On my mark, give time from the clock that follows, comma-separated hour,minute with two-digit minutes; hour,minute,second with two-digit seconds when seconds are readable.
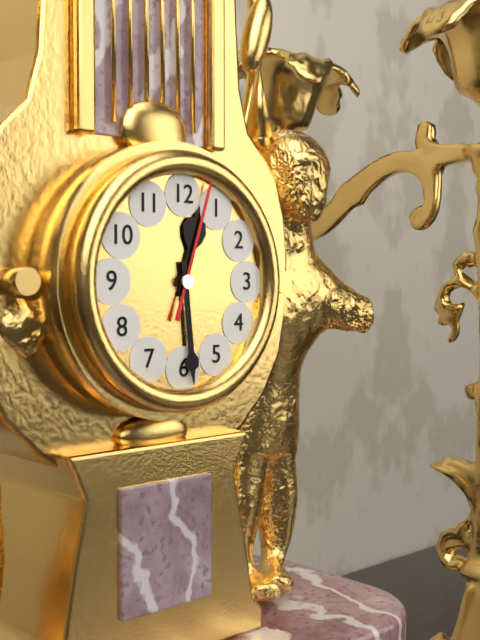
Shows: 12,29,03
